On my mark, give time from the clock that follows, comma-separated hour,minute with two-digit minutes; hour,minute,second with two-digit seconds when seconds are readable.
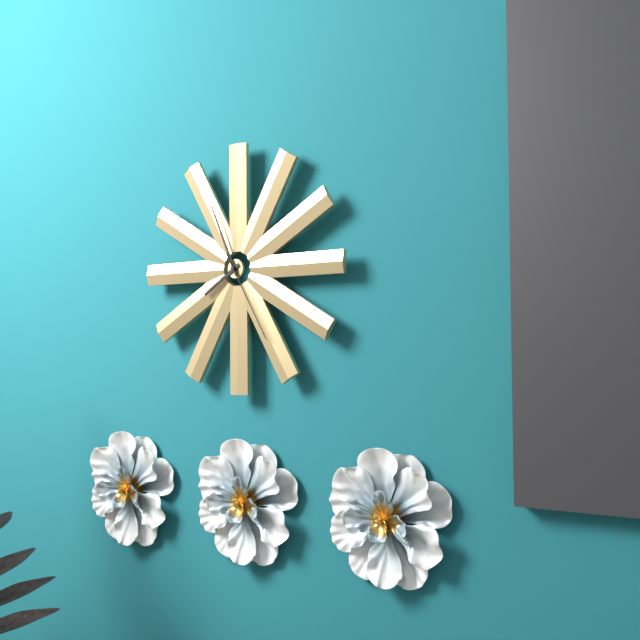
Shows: 7,56,25
